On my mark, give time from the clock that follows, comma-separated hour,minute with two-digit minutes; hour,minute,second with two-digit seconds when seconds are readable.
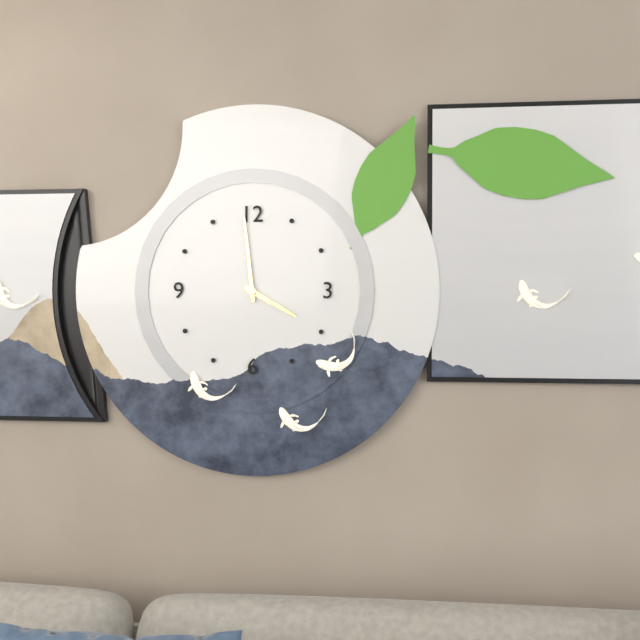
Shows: 3,59
